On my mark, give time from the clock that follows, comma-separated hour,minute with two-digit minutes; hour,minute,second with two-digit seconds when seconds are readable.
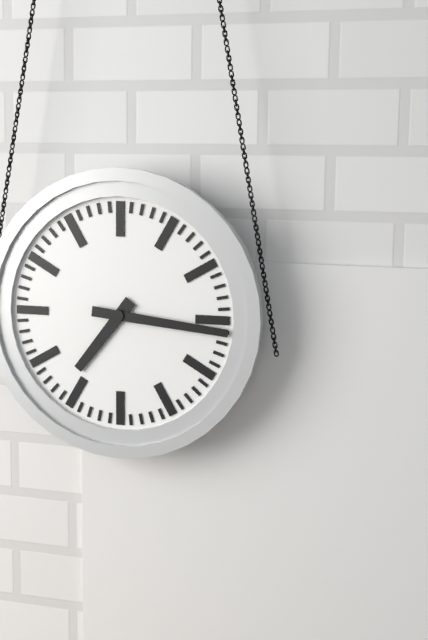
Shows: 7,16
